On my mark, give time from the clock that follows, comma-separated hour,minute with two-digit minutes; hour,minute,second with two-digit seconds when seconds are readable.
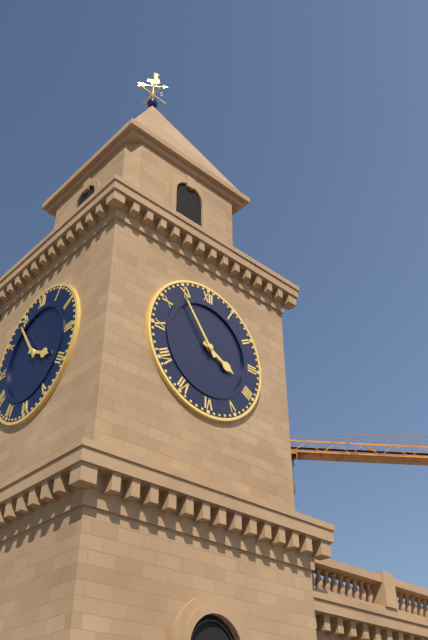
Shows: 3,54
